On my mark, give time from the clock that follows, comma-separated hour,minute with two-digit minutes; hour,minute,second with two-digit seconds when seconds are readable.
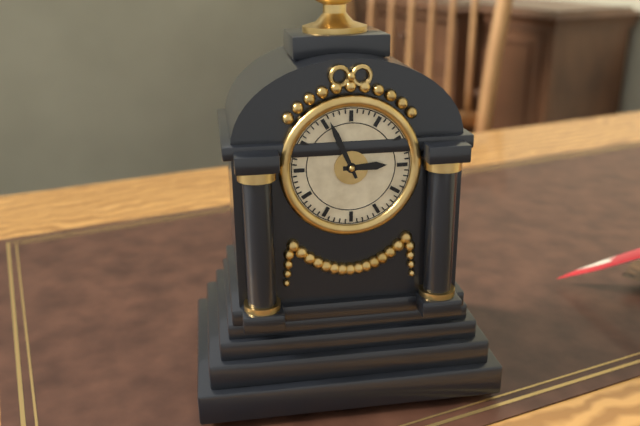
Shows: 2,56
